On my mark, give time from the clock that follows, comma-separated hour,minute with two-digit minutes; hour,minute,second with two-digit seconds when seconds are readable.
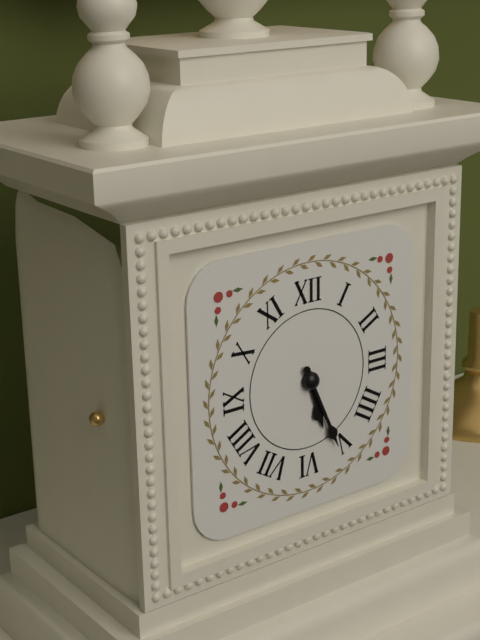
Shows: 5,26
